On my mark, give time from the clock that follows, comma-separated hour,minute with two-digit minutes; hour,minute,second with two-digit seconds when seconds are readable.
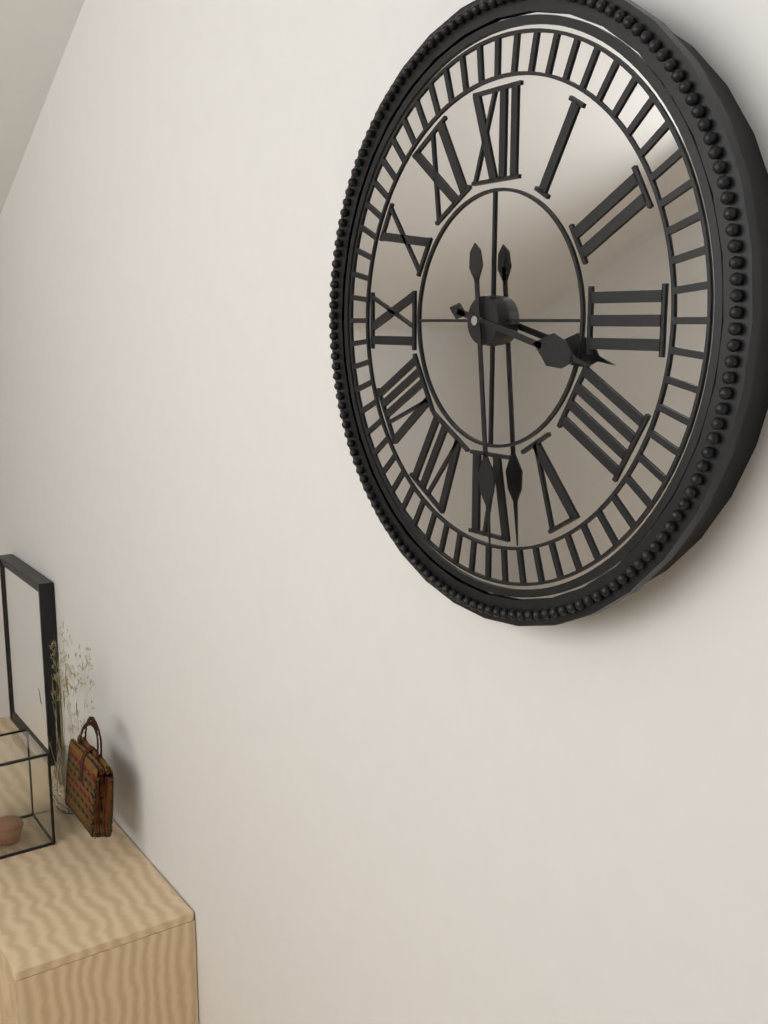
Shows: 3,29
